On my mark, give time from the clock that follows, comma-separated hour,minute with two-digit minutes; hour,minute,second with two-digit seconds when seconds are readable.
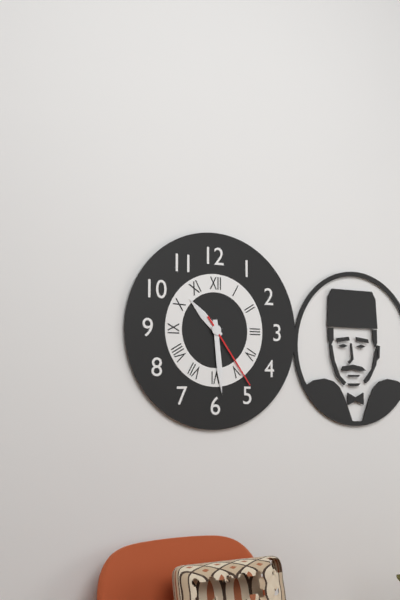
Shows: 10,29,24
